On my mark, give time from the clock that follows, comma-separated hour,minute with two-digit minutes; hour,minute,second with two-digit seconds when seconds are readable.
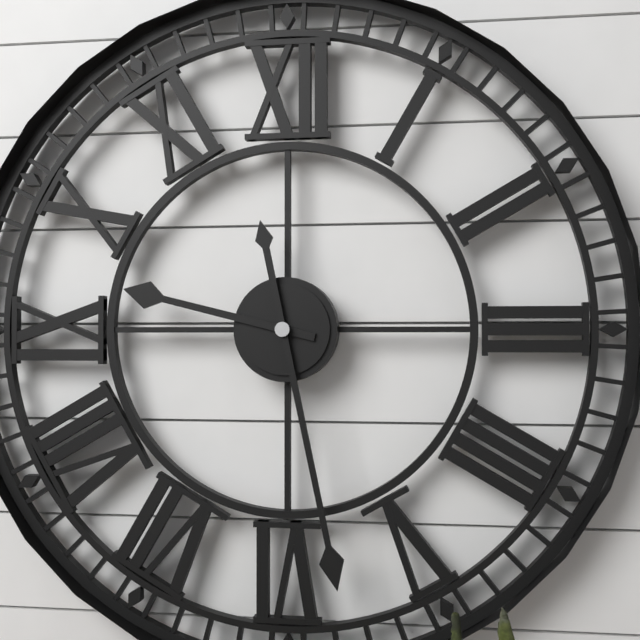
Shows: 9,28
